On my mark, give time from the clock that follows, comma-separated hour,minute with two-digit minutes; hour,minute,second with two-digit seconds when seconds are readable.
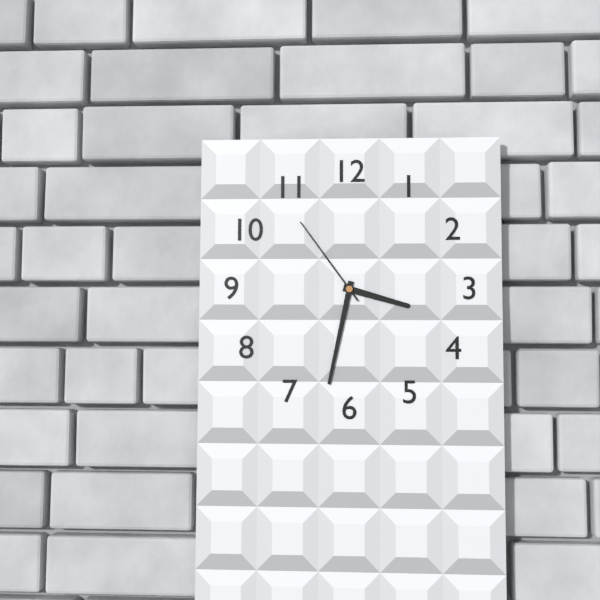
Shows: 3,32,54
